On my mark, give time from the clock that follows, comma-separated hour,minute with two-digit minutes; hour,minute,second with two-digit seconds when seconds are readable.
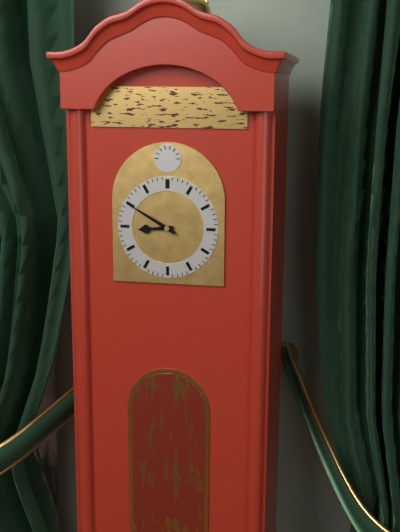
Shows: 8,50
